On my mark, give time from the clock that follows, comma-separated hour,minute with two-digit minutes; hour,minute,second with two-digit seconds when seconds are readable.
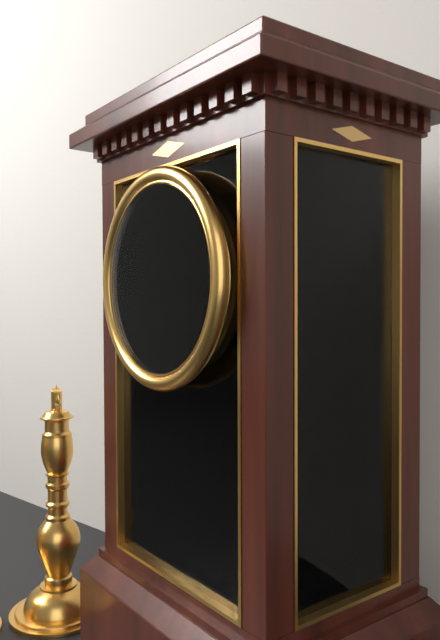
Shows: 10,40
